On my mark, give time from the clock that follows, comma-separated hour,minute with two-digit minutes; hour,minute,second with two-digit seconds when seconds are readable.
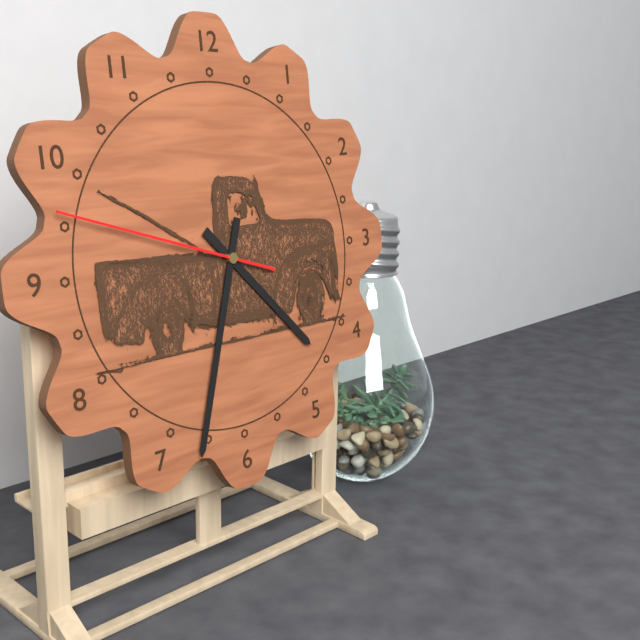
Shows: 4,33,48
